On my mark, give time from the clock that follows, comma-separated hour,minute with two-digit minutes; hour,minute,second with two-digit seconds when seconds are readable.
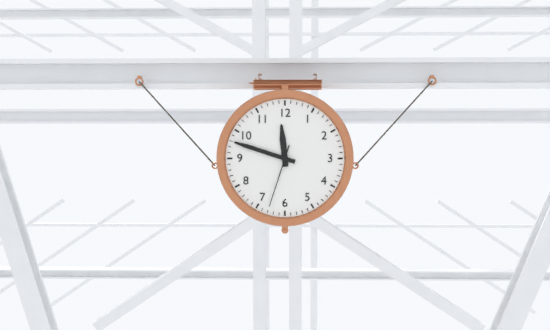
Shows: 11,48,33
